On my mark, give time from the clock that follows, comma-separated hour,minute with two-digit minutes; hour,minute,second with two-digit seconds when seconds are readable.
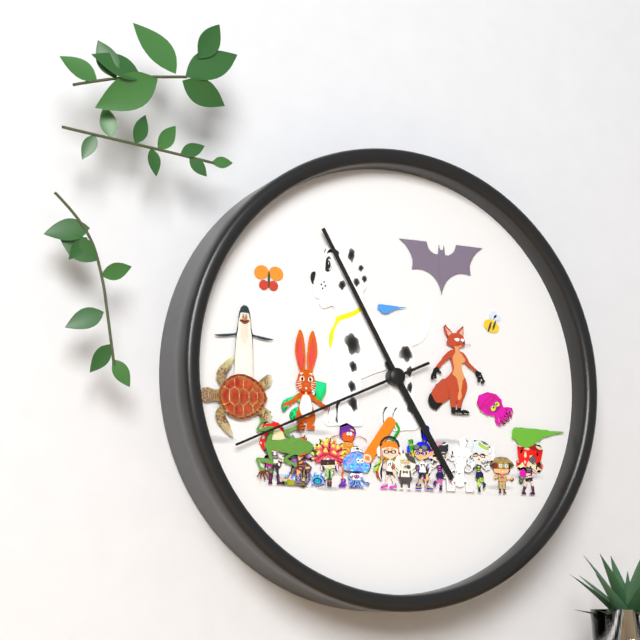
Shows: 4,55,41
